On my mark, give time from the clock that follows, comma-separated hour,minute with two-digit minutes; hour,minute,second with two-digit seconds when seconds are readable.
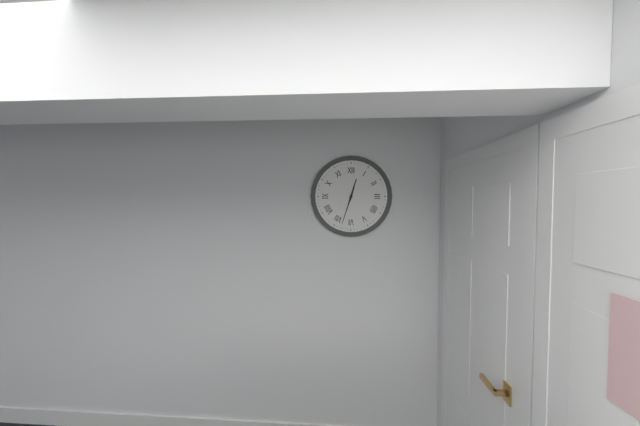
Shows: 12,33
